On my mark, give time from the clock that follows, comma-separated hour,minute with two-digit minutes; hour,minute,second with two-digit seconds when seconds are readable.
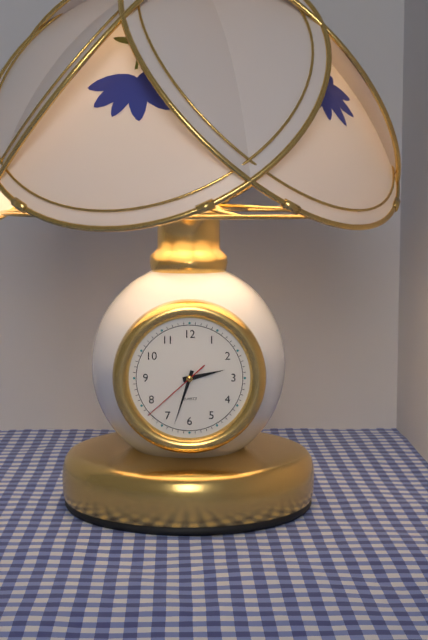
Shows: 2,33,38
